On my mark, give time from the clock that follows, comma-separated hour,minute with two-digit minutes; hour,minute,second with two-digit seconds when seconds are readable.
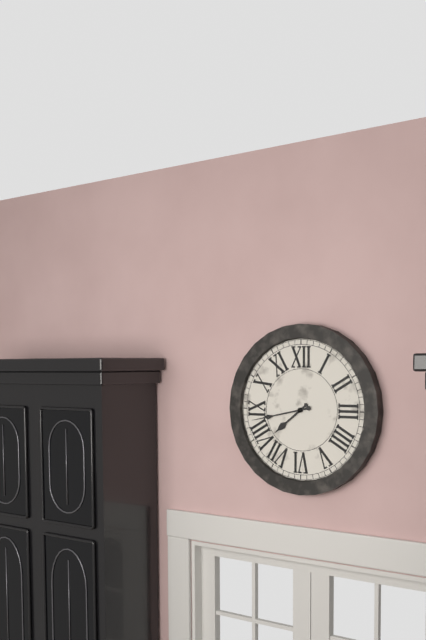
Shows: 7,43
